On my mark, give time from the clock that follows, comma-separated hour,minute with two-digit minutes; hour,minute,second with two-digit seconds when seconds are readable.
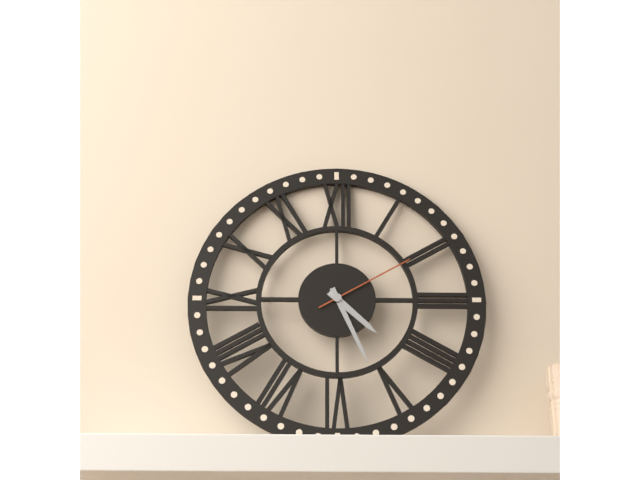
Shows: 4,26,10
